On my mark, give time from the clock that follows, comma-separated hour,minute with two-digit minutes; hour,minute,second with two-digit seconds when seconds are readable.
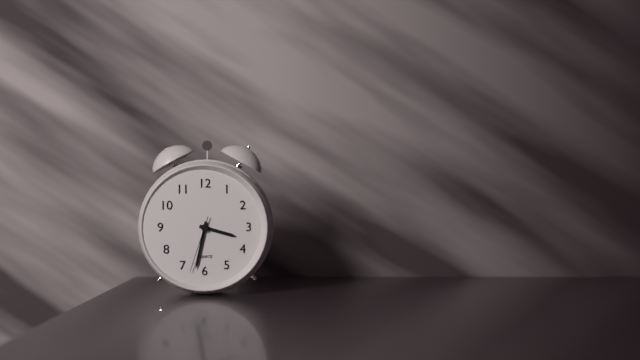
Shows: 3,32,33
